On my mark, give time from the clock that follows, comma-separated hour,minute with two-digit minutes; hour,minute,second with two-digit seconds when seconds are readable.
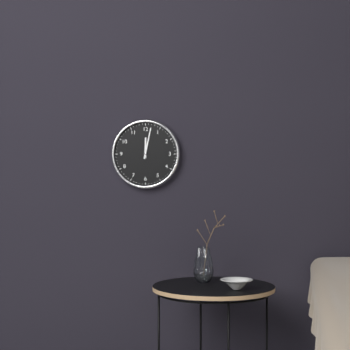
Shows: 12,02
